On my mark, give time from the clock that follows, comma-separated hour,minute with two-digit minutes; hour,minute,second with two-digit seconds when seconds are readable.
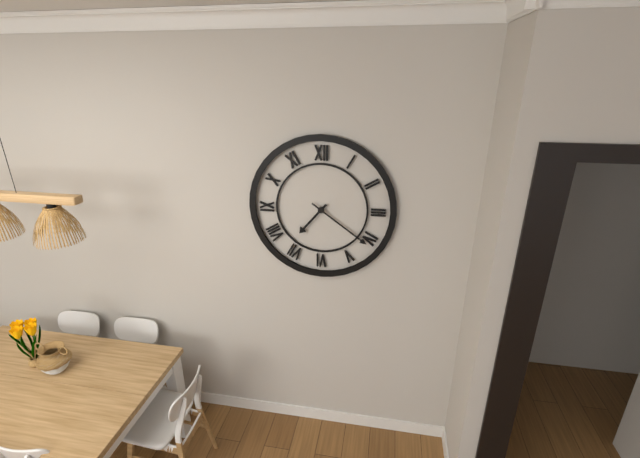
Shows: 7,21
